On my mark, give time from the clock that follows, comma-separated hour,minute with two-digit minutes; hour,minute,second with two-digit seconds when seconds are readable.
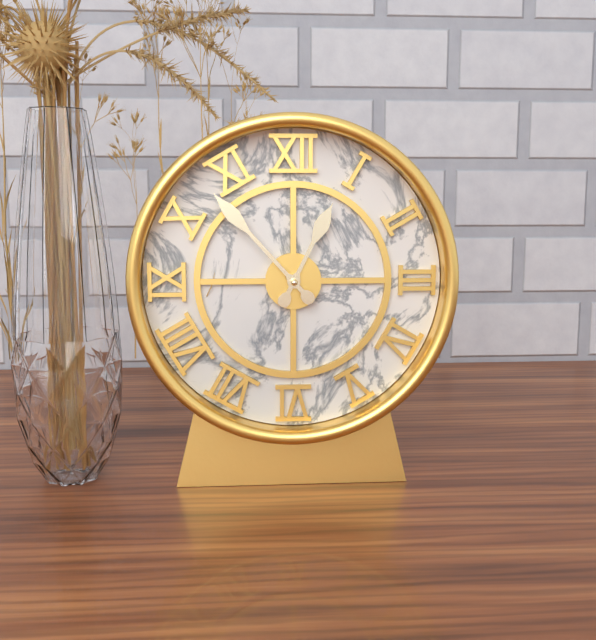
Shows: 12,53
